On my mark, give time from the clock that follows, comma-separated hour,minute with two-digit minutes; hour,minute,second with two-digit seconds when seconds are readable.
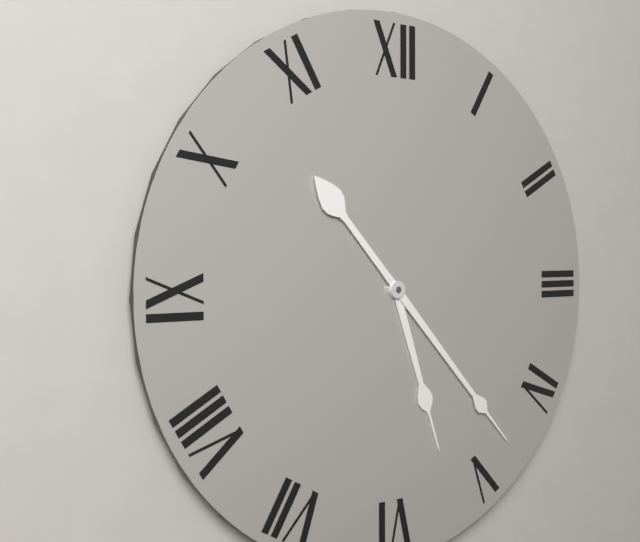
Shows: 5,23
